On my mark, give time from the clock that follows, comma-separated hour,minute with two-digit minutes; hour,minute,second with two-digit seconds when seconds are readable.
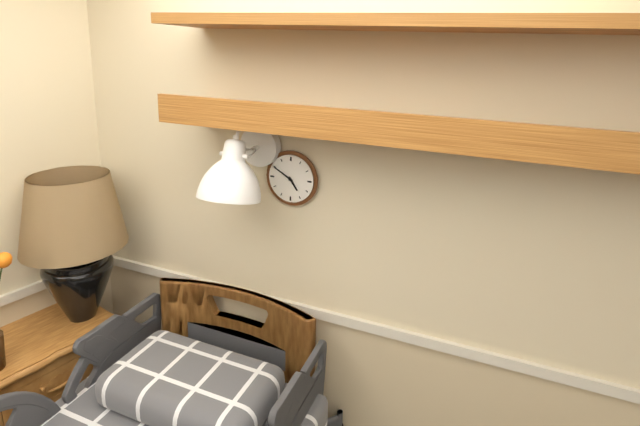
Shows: 4,50
